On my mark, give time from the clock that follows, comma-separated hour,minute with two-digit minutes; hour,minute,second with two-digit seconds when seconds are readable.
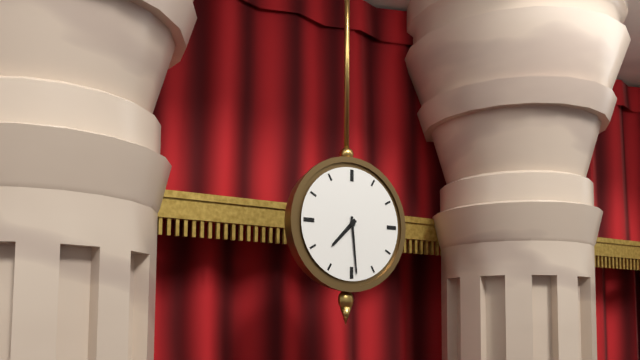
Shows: 7,29
